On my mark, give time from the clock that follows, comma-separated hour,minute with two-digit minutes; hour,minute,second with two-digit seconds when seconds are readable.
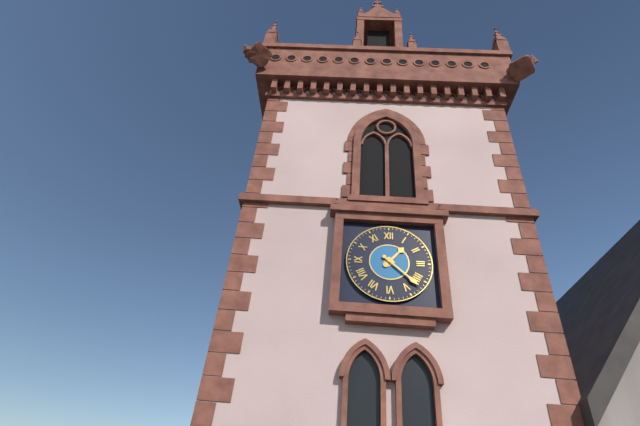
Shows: 1,22
